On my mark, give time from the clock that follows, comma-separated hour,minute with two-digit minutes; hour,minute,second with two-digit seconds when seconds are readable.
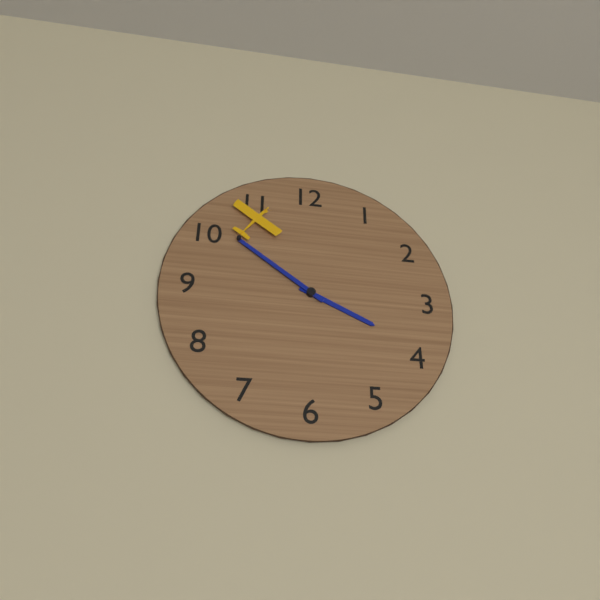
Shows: 3,51
